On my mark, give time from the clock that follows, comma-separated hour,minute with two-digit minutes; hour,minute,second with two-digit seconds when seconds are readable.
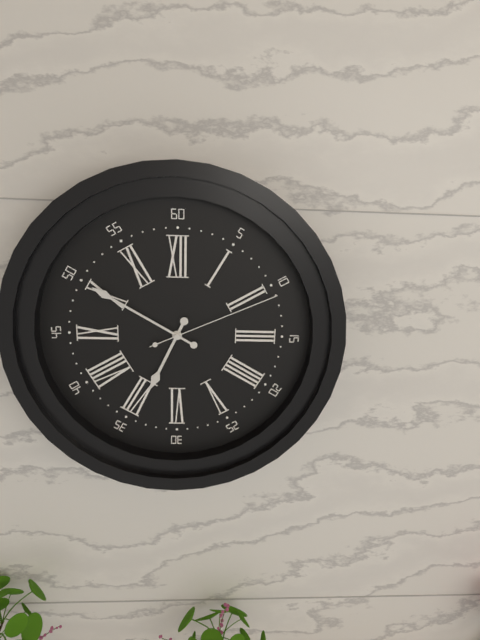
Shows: 6,50,11
